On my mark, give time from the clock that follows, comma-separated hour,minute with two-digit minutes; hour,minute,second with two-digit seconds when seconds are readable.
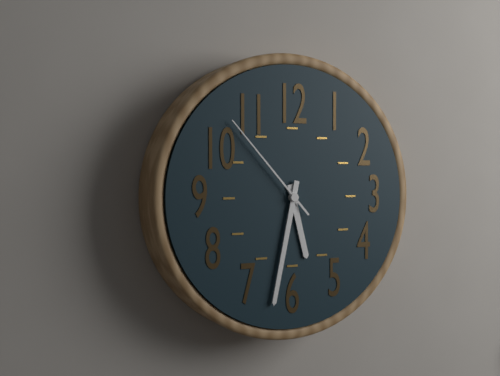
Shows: 5,32,53
